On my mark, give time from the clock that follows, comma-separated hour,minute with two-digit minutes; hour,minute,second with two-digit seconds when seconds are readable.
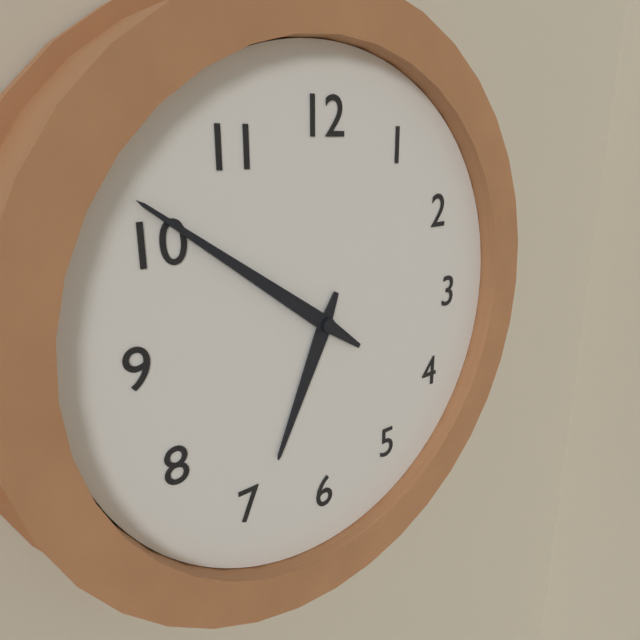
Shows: 6,51
